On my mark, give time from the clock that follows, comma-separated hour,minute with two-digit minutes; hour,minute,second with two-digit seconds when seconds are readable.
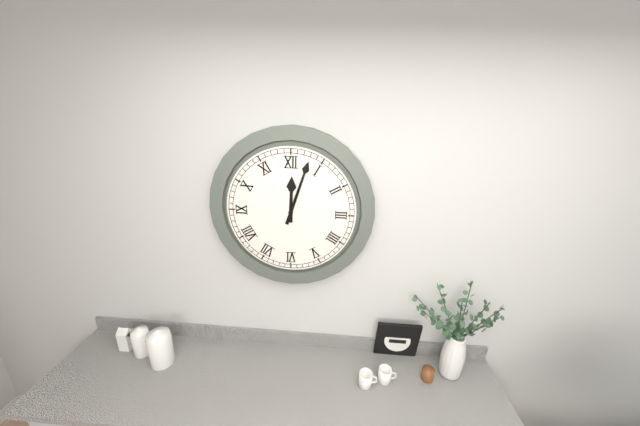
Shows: 12,03
